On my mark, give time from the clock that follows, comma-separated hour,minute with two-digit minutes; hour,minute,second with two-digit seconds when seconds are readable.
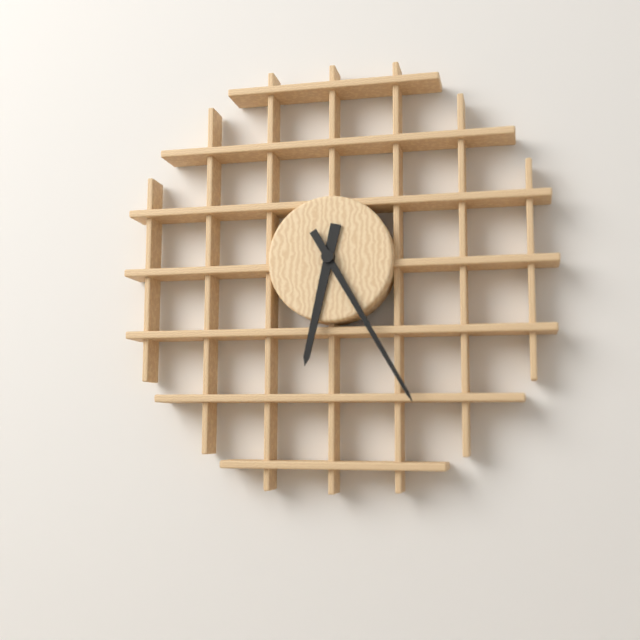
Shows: 6,25
